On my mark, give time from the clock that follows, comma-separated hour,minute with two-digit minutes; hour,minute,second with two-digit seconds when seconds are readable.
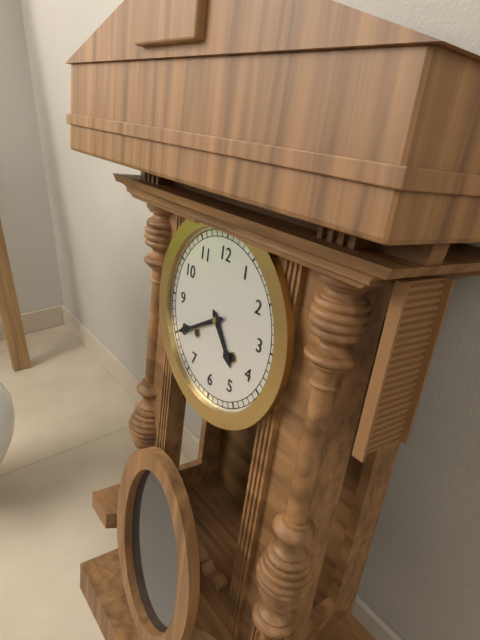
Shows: 4,40
